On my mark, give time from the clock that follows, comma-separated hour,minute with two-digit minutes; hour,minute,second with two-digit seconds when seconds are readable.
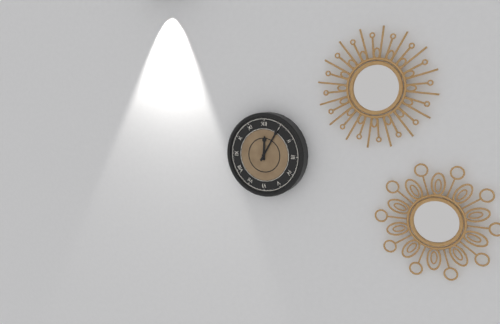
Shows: 12,05
